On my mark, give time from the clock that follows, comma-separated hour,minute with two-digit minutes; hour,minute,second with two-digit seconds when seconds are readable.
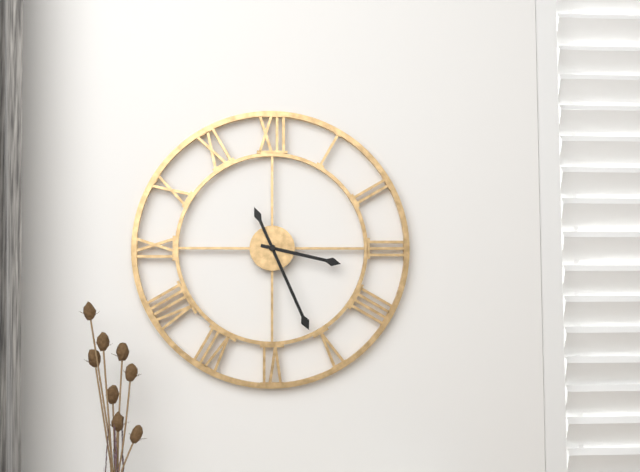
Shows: 3,26
